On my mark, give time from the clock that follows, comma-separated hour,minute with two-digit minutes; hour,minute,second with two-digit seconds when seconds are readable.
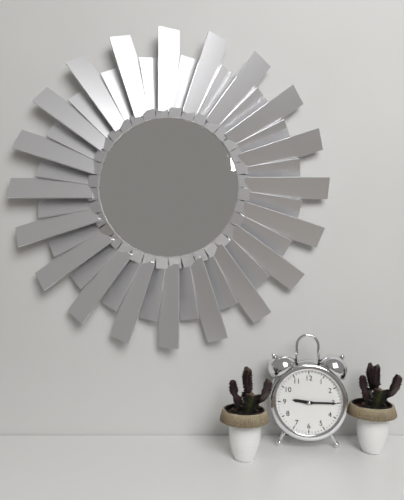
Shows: 9,15
